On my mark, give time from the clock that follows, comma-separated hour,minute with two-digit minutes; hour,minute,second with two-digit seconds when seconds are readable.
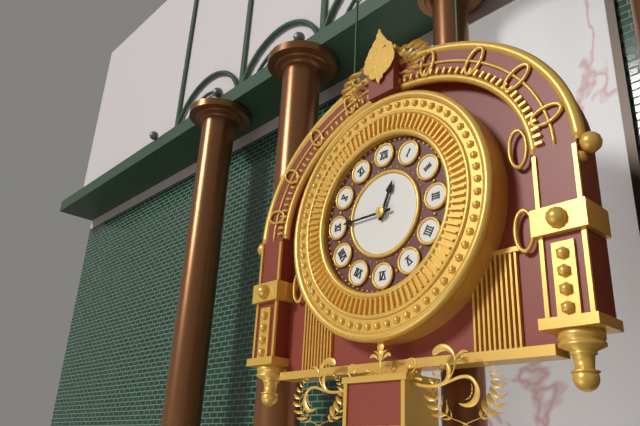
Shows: 12,45
